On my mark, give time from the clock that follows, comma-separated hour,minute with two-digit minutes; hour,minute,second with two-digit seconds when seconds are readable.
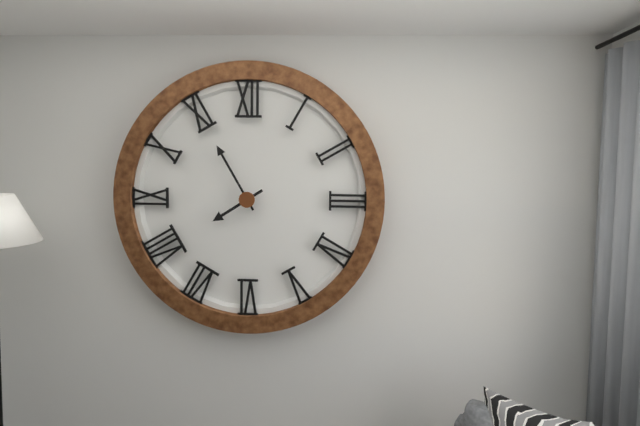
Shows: 7,55
